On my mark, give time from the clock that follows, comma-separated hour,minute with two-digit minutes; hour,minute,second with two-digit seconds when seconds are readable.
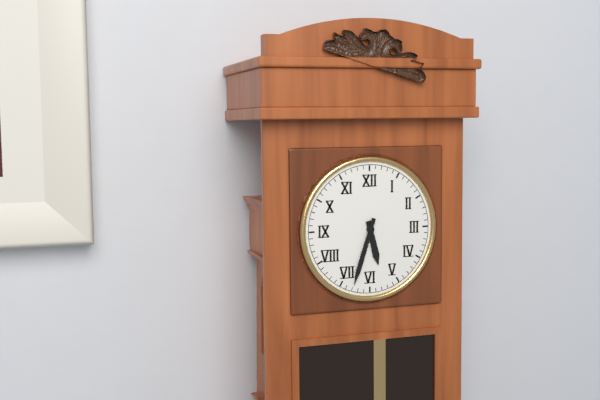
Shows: 5,33
